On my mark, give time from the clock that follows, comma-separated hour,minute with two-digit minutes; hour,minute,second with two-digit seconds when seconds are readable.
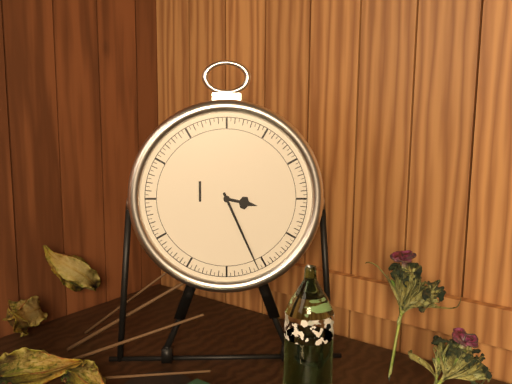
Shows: 3,26
